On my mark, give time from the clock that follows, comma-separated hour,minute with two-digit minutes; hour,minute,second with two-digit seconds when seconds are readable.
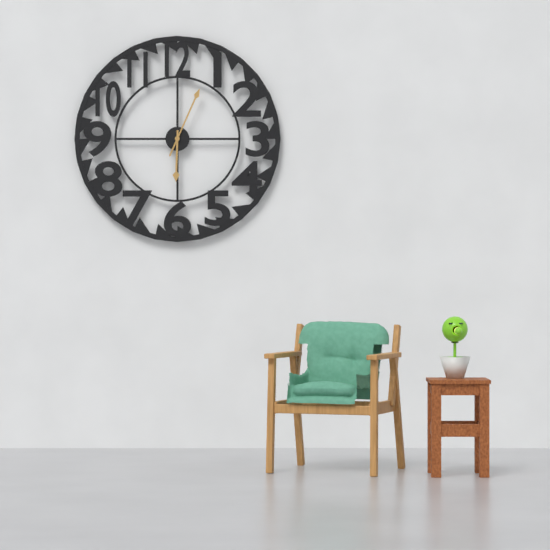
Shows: 6,04
